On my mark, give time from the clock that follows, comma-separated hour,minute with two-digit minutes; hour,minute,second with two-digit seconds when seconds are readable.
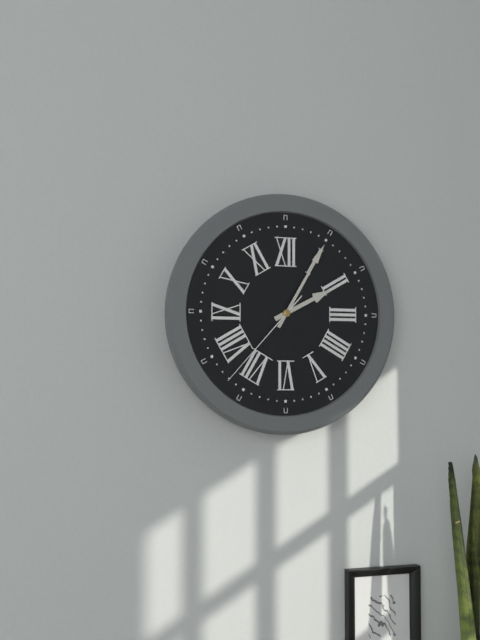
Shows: 2,05,37
